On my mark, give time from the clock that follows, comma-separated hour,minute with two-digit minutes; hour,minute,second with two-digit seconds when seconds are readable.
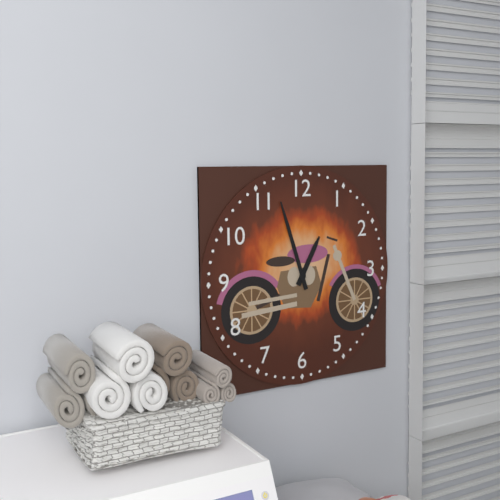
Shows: 12,57
